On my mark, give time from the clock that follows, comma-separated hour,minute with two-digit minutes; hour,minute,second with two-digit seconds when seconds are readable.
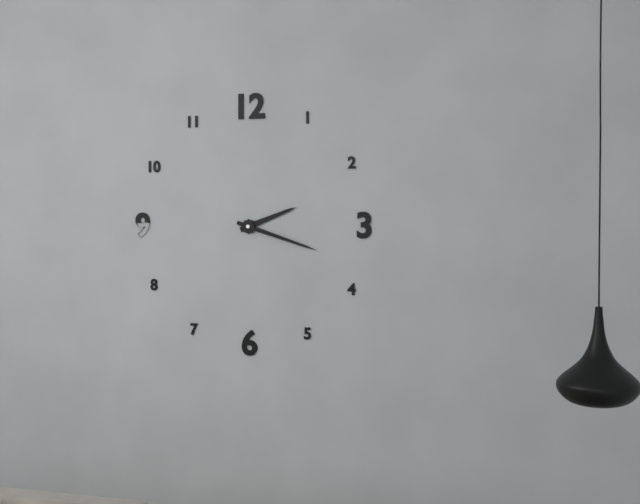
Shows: 2,18
